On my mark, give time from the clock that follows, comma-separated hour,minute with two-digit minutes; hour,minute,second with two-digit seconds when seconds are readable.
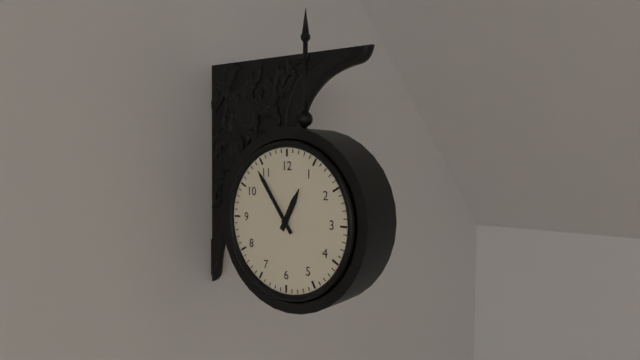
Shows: 12,54
